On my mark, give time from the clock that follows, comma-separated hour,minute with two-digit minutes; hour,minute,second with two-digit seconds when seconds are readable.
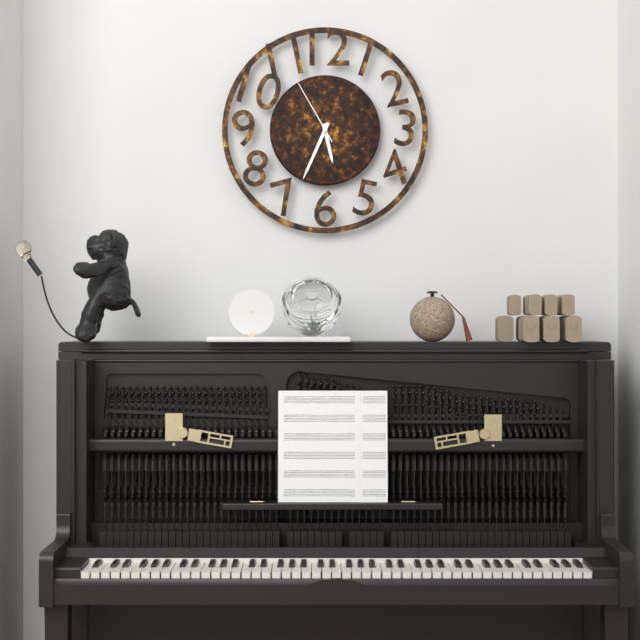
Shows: 5,34,55
